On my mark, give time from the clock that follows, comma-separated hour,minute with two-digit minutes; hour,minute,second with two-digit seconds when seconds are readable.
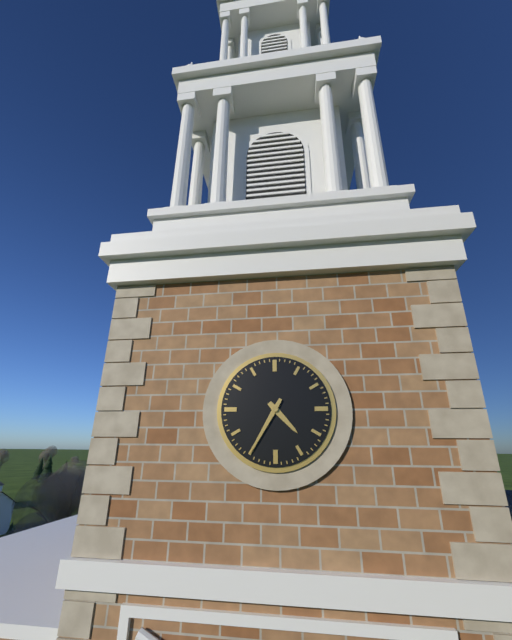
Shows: 4,35
